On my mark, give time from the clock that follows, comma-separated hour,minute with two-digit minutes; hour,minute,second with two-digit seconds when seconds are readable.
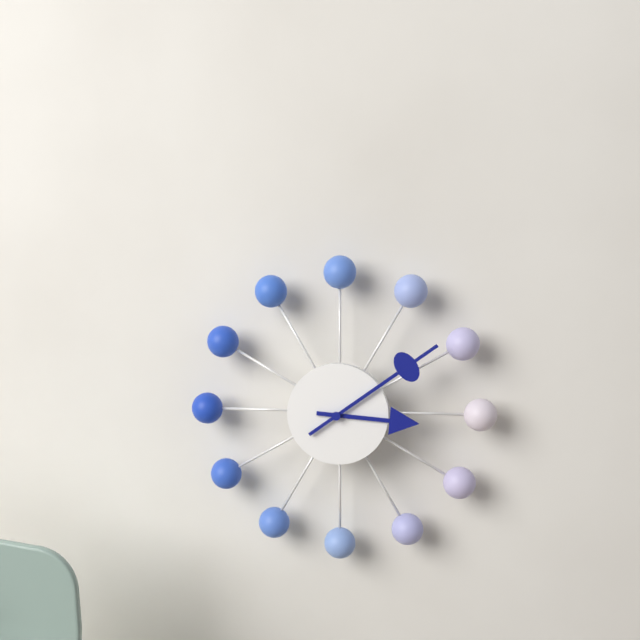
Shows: 3,09
